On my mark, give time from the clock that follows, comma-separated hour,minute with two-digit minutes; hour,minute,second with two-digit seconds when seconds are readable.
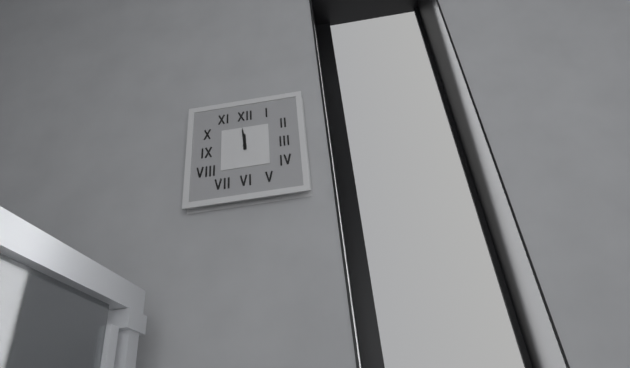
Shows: 11,59
